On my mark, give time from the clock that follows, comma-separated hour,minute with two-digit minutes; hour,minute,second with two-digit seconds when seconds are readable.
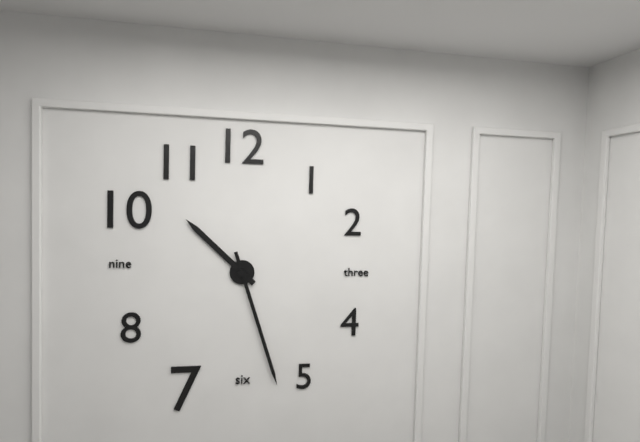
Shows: 10,27
